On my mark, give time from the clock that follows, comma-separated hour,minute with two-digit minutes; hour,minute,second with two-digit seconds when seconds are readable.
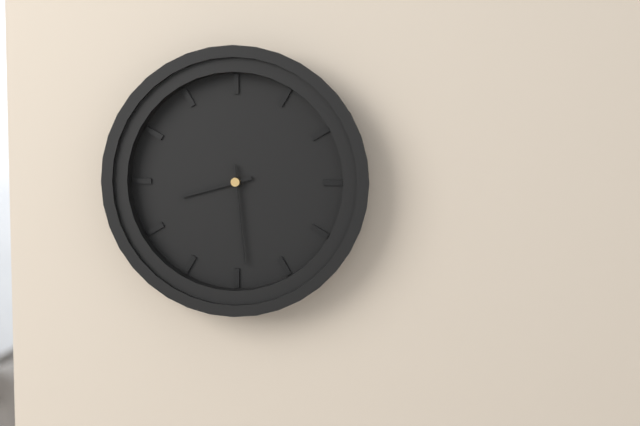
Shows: 8,29
